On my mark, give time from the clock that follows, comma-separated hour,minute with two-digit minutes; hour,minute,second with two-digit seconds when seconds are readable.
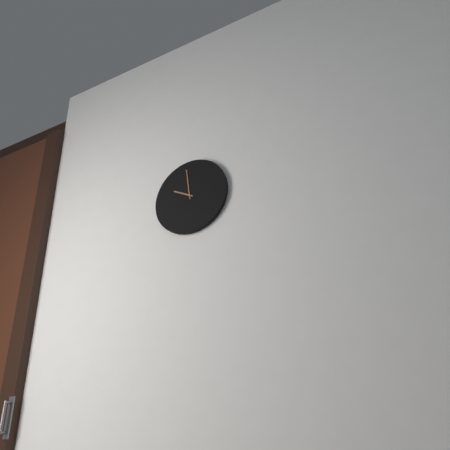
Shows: 9,59
